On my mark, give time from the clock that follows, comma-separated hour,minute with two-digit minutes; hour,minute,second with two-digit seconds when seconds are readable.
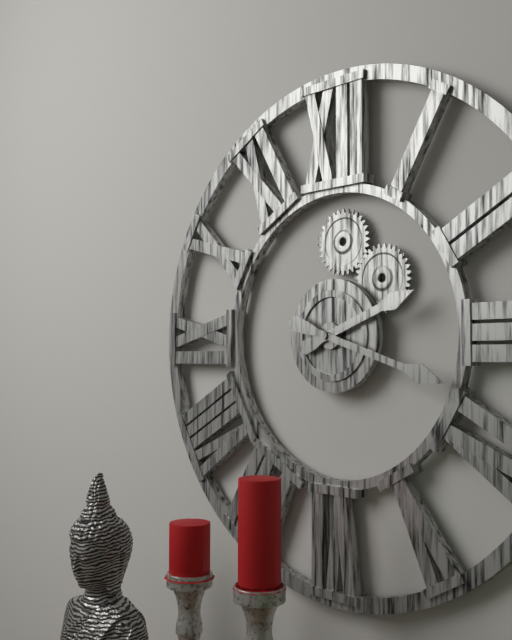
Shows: 2,18
